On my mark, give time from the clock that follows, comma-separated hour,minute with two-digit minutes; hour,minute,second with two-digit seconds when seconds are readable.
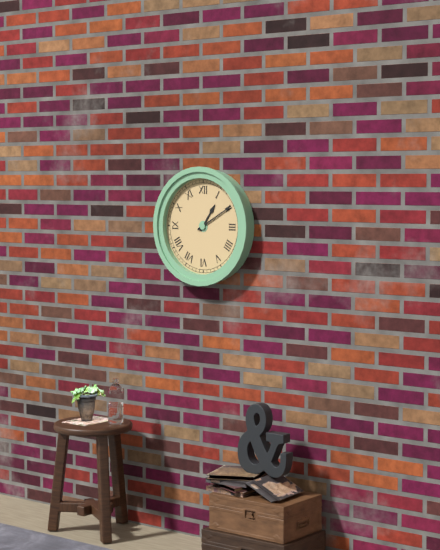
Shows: 1,10
